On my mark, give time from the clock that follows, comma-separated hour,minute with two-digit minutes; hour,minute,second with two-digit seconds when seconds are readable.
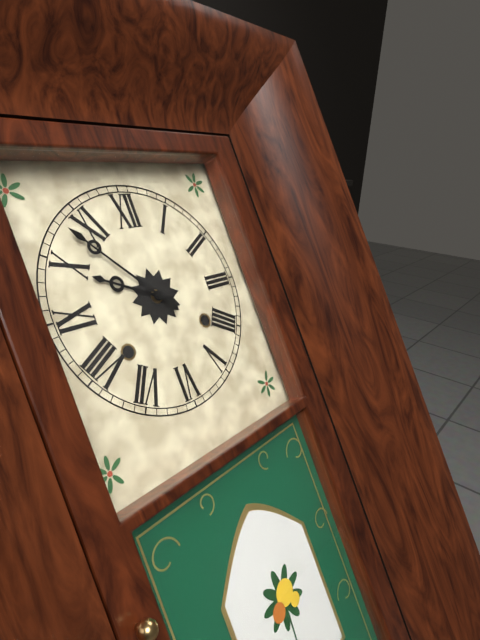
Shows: 9,53
